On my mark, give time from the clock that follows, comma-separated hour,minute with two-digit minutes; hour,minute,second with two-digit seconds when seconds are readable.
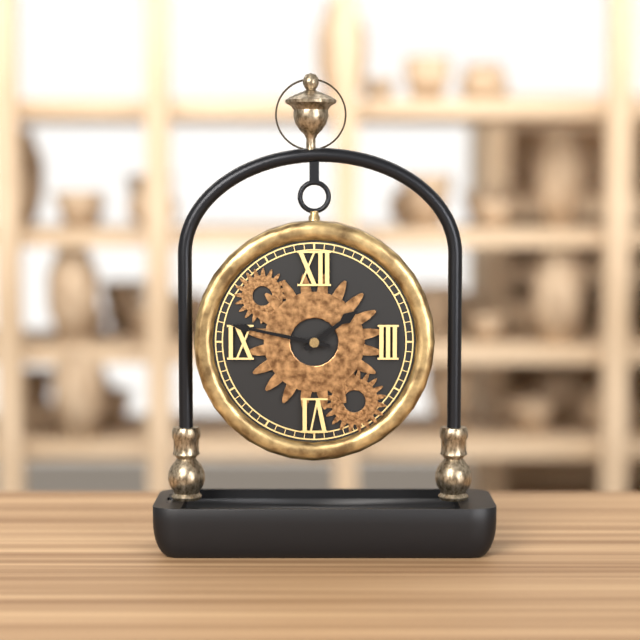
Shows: 1,47
